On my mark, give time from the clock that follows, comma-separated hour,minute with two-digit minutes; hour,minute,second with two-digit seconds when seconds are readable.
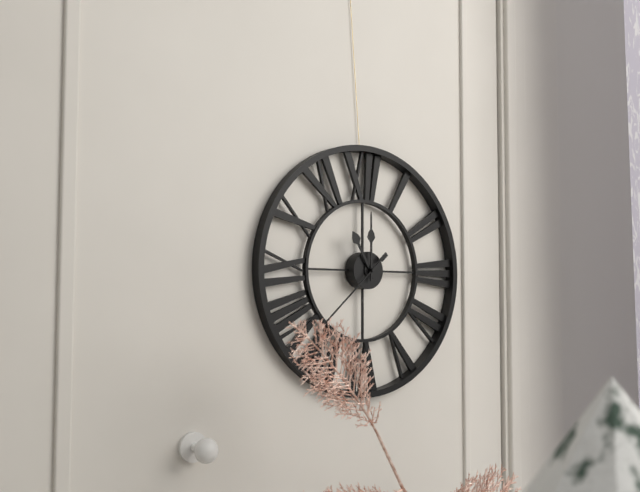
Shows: 11,00,38
